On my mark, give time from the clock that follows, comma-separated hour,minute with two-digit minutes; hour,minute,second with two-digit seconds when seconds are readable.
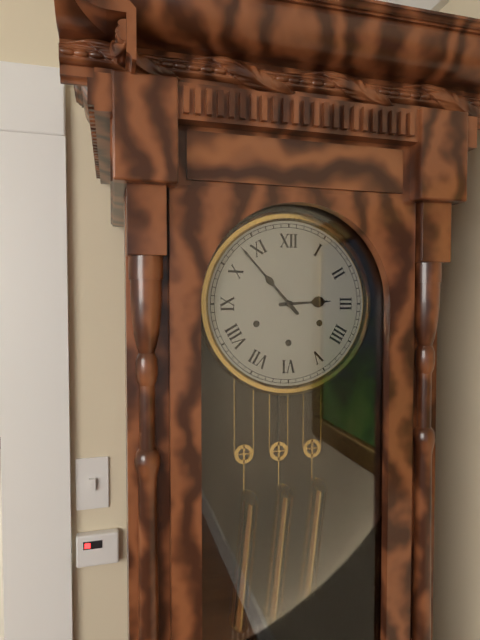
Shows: 2,53
